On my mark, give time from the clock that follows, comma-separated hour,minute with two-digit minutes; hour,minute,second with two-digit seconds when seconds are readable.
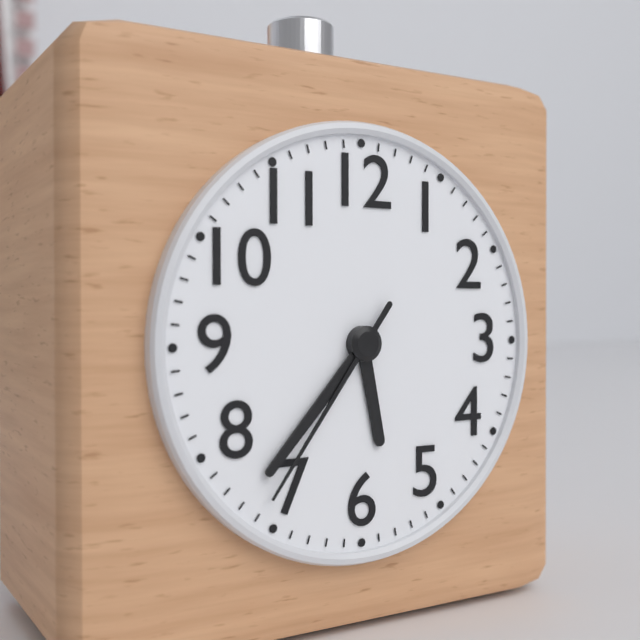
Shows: 5,37,36
